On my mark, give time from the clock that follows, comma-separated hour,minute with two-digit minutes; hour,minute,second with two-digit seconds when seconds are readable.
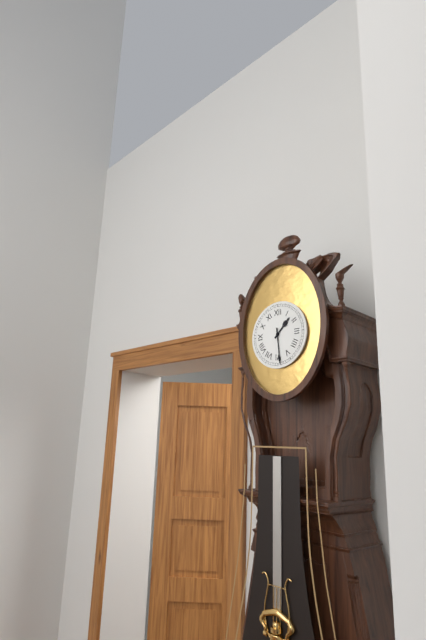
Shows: 1,29
